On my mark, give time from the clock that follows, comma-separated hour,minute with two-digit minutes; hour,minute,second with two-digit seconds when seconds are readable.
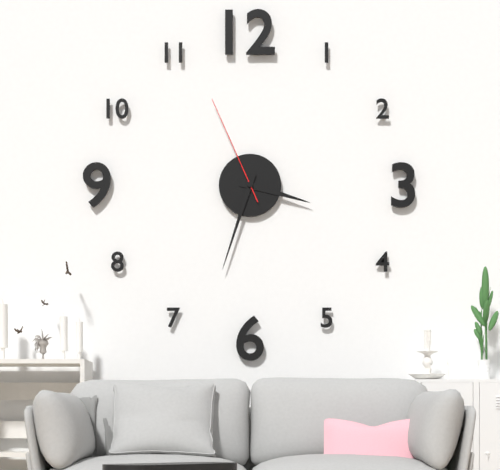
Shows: 3,33,56
